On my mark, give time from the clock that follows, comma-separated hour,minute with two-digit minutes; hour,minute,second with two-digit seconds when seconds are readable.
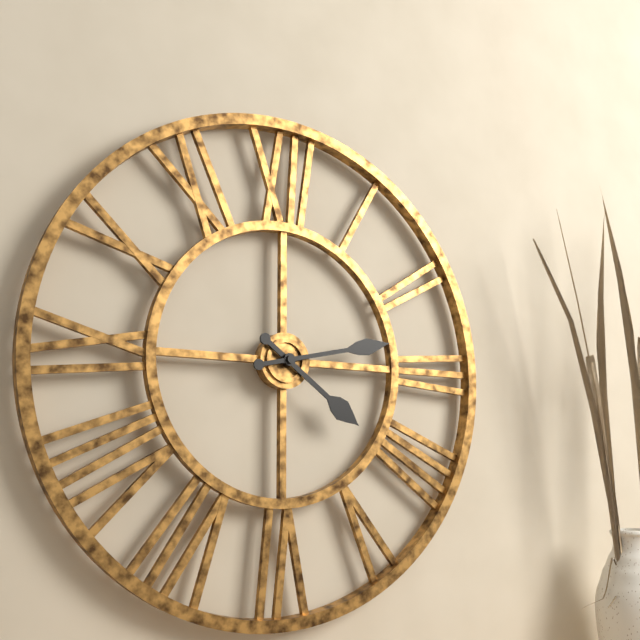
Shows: 4,13
